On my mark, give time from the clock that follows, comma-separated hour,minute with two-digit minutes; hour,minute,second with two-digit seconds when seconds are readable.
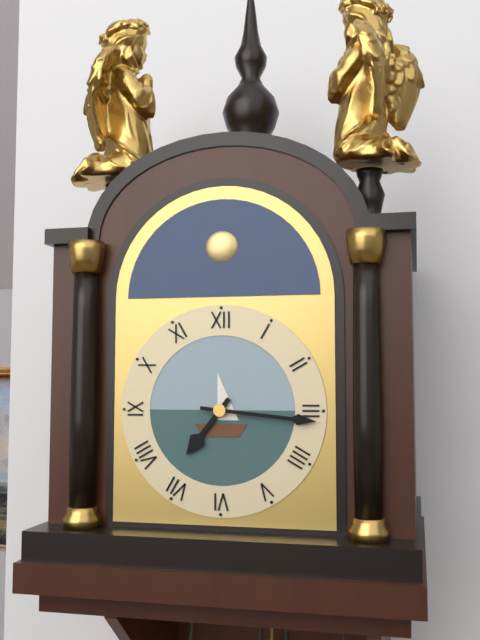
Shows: 7,16
